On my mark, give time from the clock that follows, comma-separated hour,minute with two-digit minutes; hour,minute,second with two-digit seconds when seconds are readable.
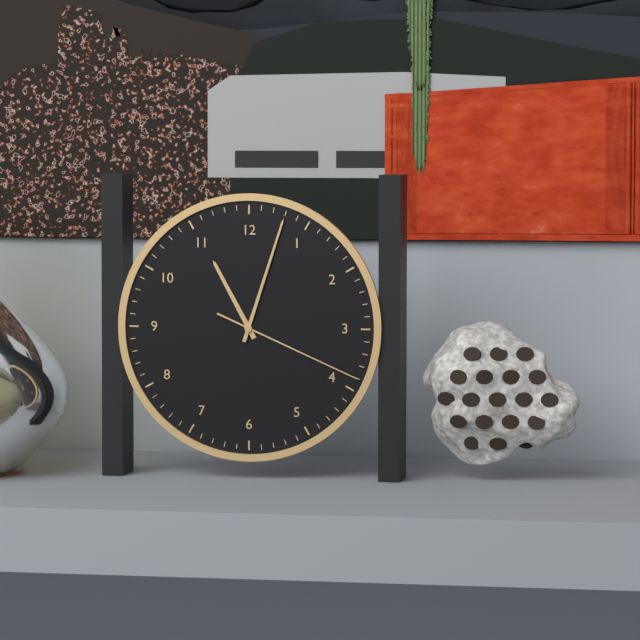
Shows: 11,03,19
